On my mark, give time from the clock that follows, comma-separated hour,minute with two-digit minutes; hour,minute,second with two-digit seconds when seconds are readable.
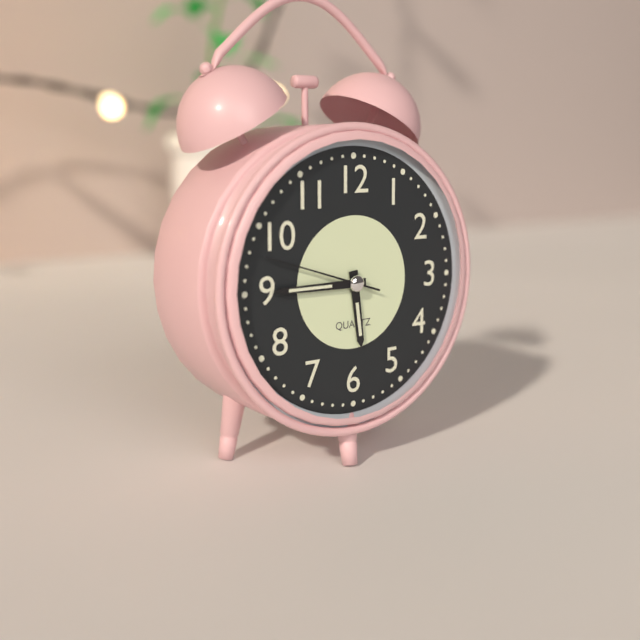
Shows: 5,45,48
